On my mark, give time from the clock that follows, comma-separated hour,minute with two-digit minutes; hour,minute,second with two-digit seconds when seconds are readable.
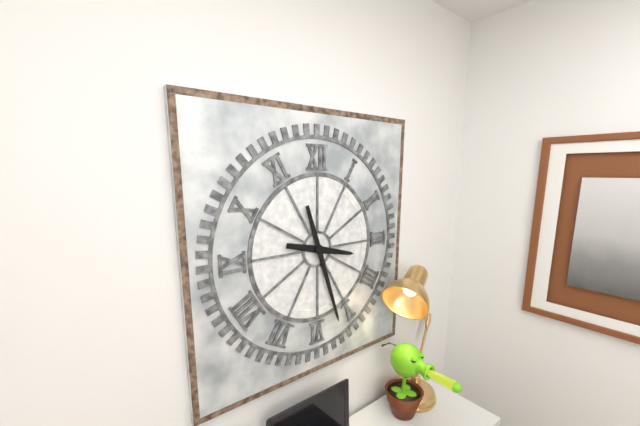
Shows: 3,27
